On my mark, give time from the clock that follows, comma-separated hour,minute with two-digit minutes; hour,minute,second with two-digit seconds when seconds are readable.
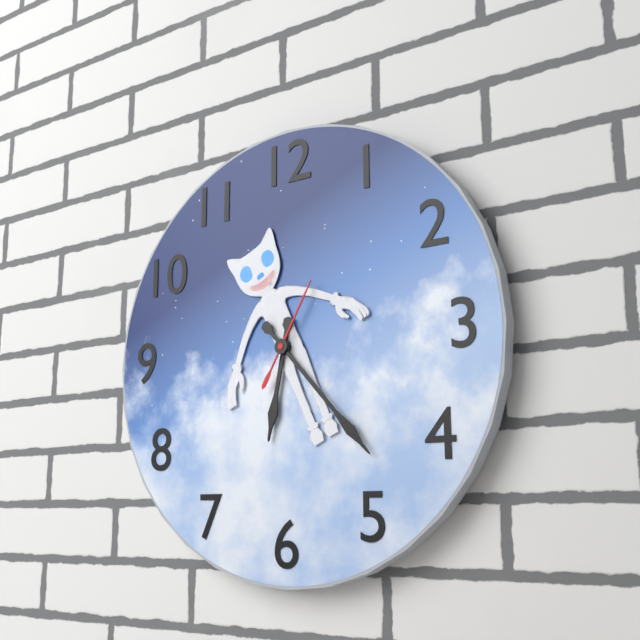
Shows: 6,23,05
